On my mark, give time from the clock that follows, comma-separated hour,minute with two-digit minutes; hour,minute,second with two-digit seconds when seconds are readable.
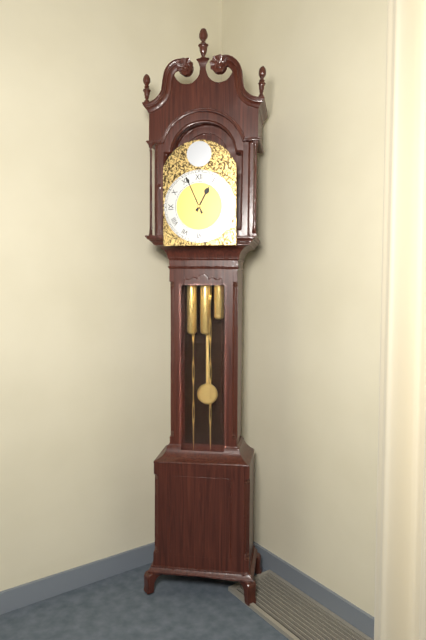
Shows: 12,56
